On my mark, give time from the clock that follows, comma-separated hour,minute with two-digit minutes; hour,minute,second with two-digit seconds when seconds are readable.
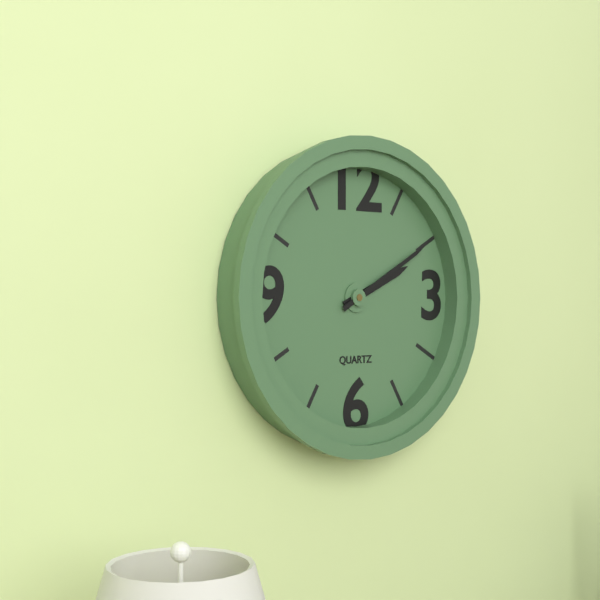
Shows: 2,10
